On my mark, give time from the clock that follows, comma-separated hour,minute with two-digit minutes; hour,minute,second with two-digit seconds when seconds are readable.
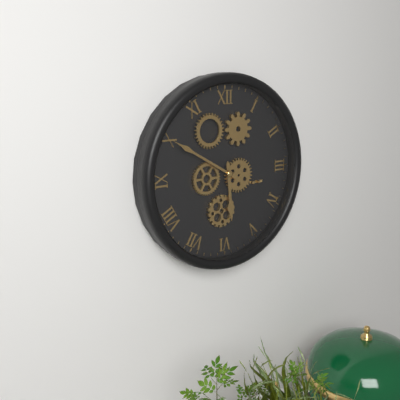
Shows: 5,50
